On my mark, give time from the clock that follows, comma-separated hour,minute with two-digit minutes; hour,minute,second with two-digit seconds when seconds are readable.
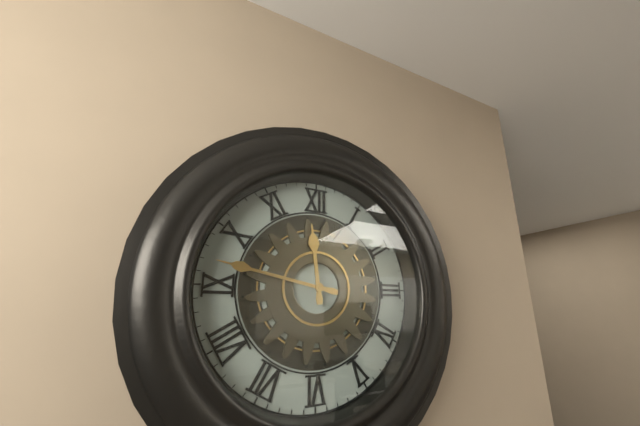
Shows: 11,47
